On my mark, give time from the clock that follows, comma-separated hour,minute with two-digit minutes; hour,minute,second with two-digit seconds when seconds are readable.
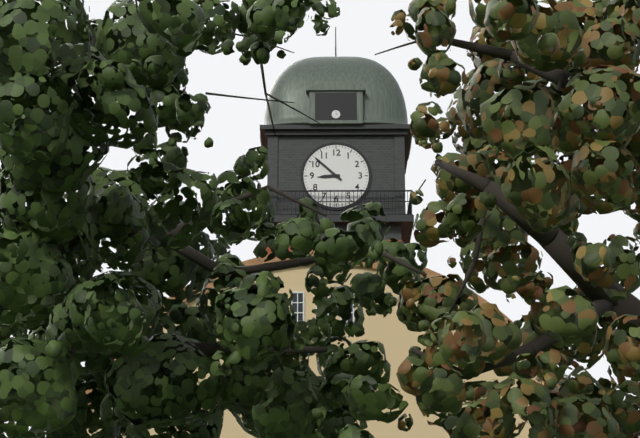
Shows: 8,52
